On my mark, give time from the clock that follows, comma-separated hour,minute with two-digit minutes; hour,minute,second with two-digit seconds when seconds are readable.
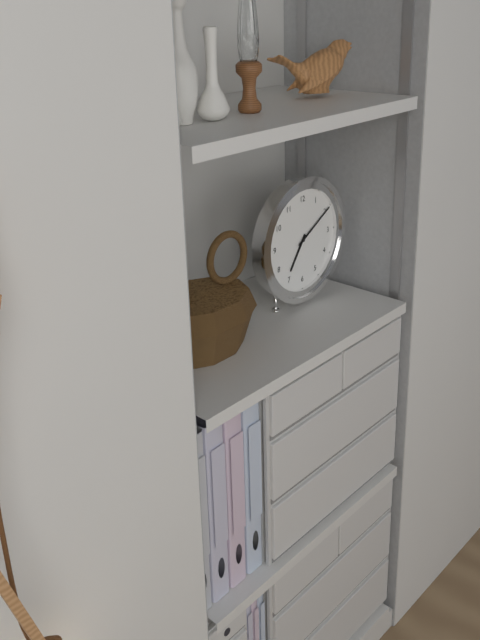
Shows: 7,10
